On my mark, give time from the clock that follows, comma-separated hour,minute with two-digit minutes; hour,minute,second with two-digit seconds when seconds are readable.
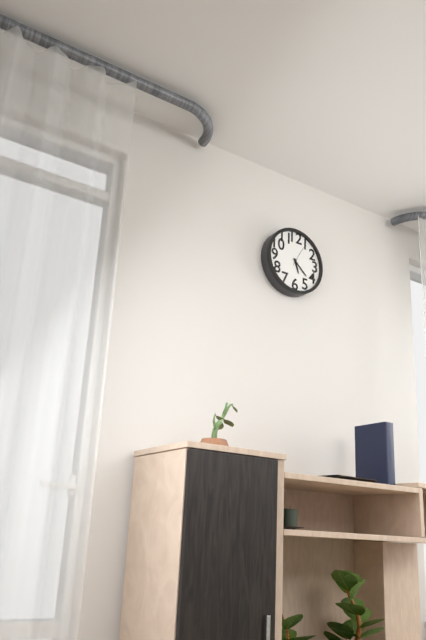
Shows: 5,22
